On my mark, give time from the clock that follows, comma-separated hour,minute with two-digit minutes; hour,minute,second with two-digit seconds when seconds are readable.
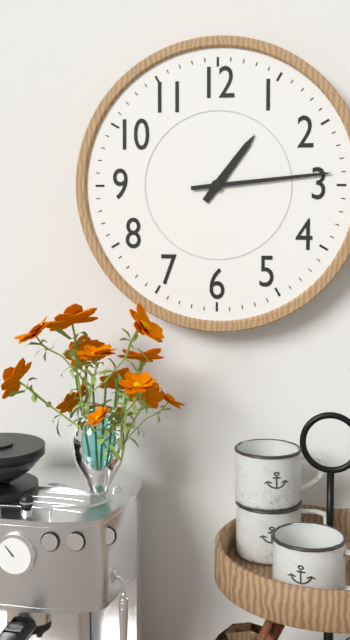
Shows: 1,14
